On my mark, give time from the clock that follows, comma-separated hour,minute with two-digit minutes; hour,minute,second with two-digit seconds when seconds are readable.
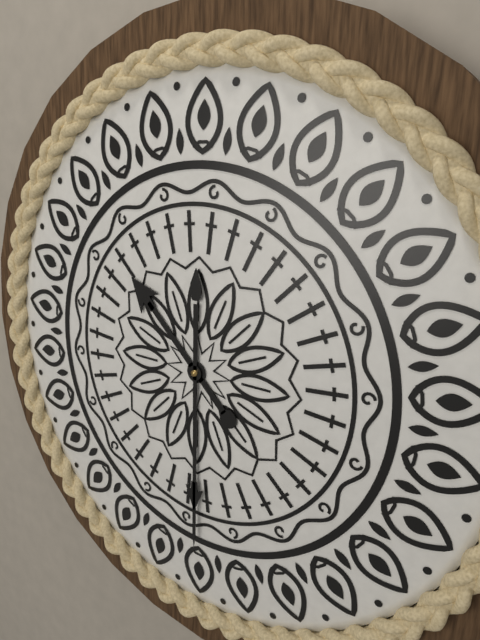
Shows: 10,30
